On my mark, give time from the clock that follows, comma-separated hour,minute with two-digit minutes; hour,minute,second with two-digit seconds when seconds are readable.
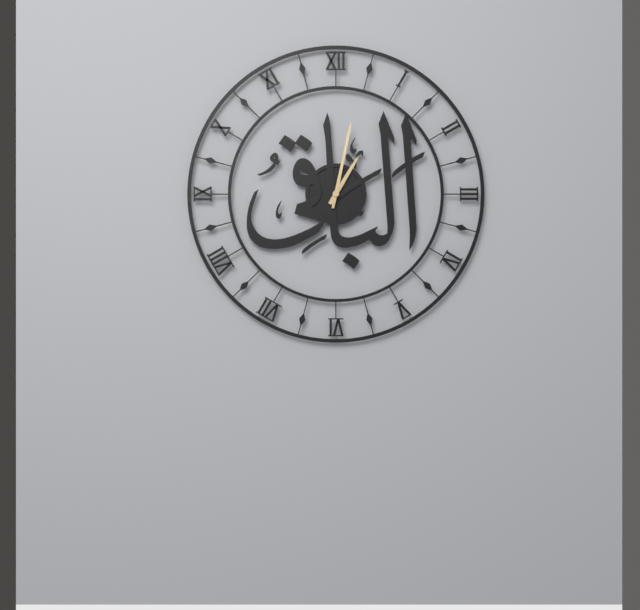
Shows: 1,02
